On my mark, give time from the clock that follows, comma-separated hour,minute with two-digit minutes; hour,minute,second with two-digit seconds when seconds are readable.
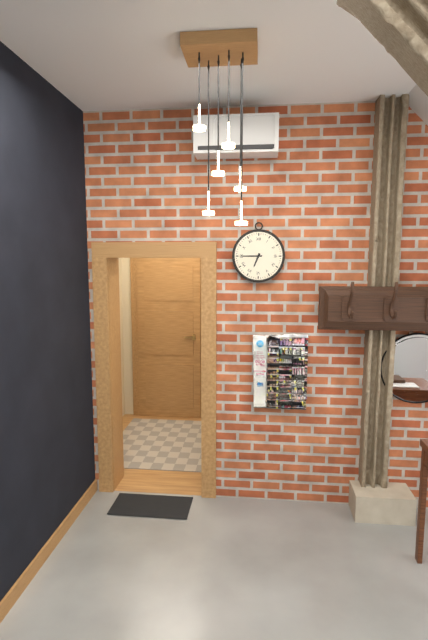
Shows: 6,45
